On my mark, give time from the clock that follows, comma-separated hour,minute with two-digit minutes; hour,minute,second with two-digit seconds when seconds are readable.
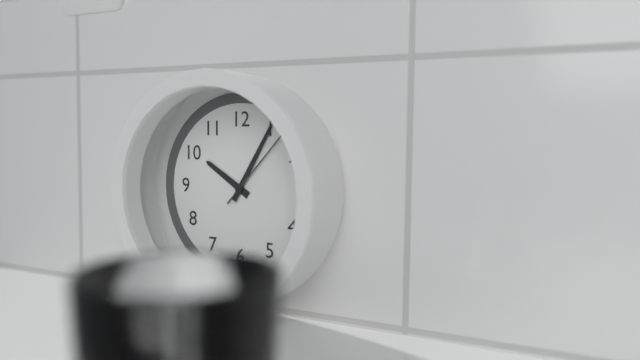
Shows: 10,05,07
